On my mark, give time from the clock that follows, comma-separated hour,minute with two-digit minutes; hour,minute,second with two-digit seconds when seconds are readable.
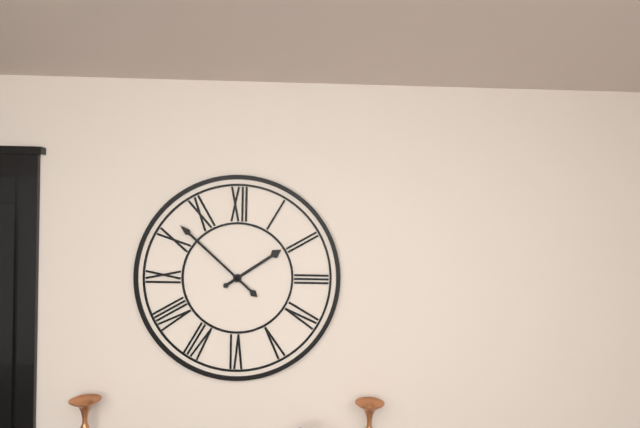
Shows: 1,52
